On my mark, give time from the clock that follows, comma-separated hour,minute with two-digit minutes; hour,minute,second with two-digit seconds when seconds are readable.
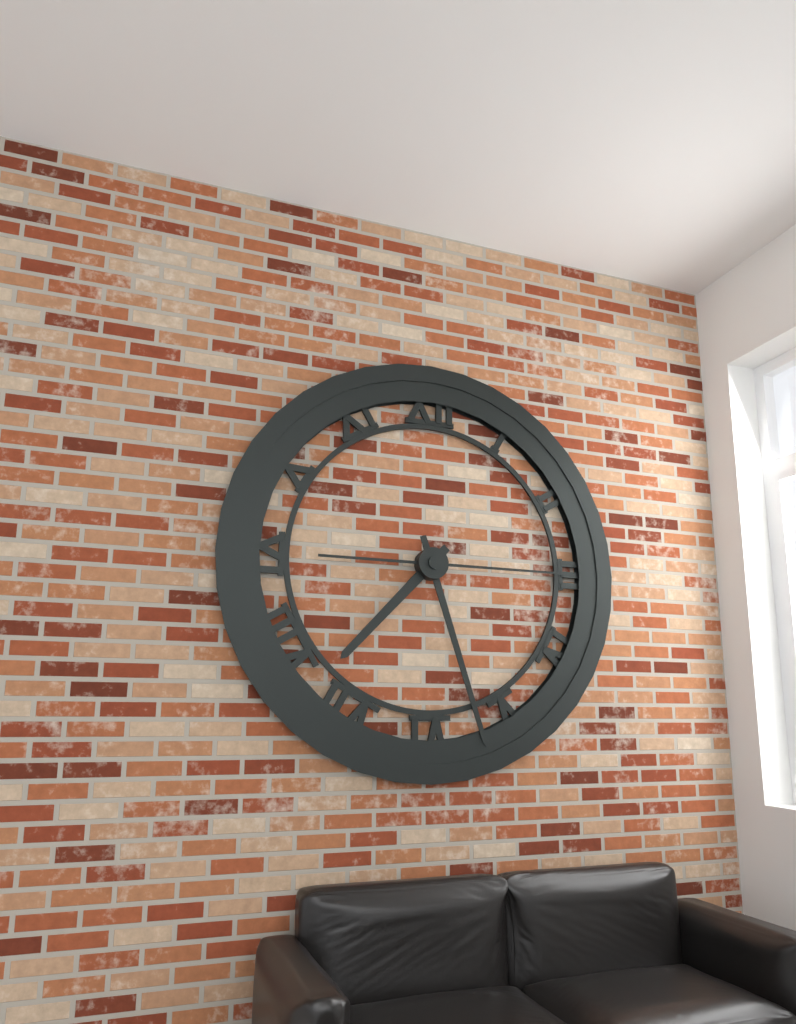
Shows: 7,27,15
